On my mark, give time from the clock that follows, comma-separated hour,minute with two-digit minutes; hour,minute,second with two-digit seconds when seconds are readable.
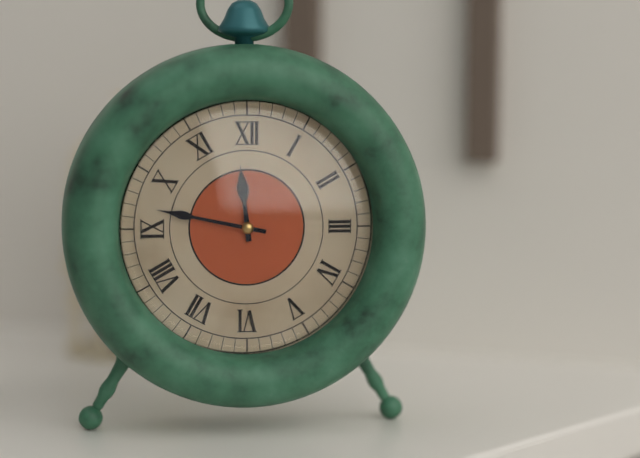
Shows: 11,47
